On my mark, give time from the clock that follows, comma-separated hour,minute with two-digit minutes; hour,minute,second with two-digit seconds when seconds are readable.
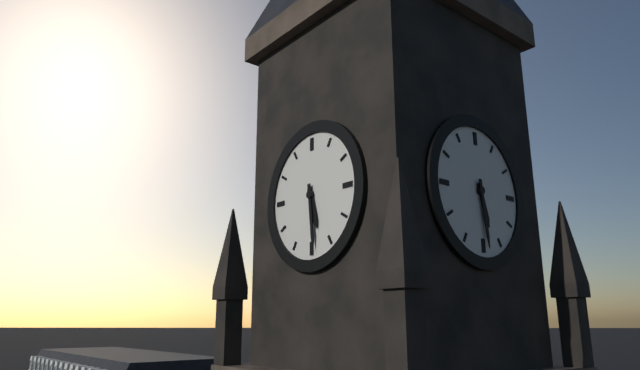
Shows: 5,29
